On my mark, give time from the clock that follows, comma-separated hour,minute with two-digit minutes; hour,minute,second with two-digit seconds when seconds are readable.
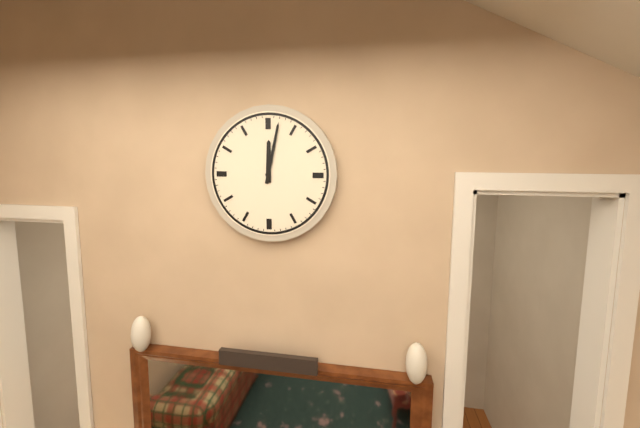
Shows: 12,02
